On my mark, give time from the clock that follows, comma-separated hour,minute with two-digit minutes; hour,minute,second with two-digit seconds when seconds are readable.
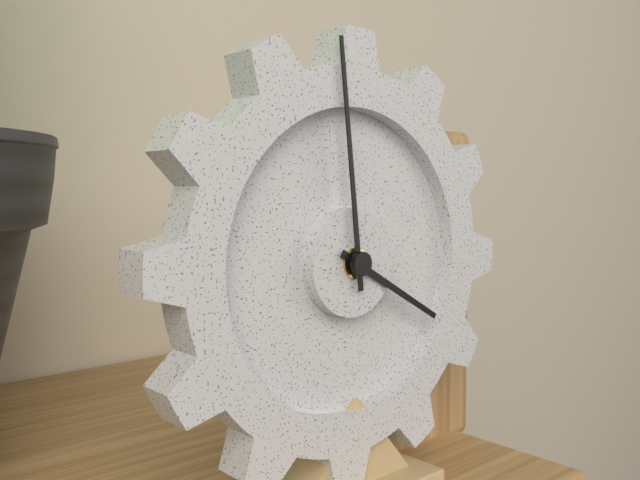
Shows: 3,59
